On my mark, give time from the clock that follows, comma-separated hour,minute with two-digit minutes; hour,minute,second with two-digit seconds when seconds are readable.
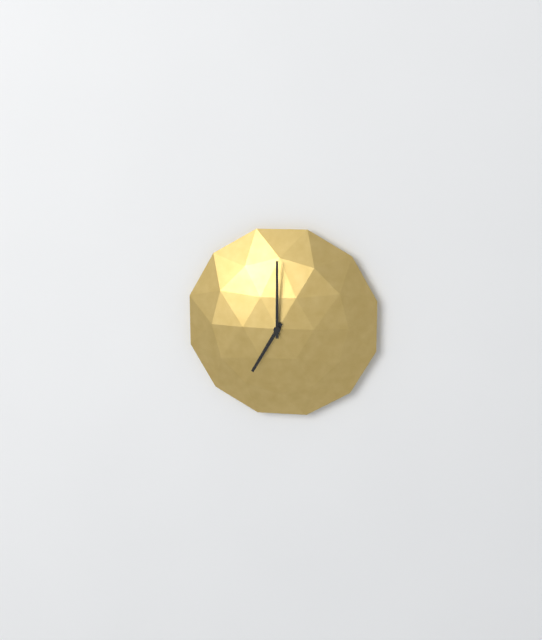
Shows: 7,00
